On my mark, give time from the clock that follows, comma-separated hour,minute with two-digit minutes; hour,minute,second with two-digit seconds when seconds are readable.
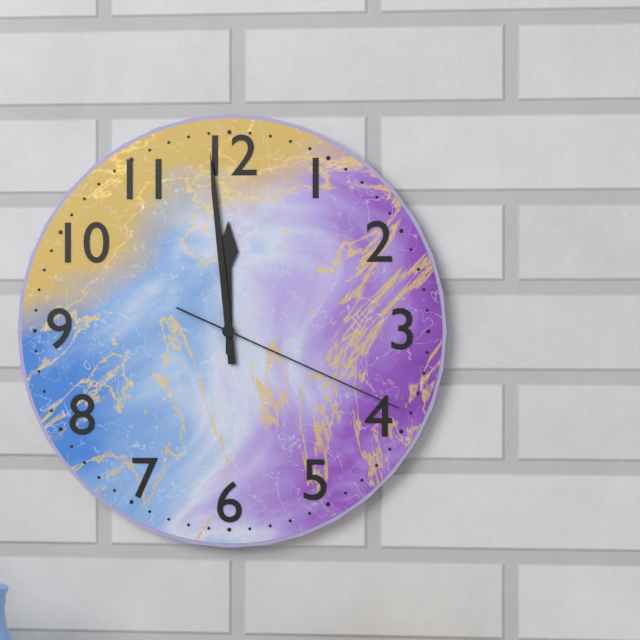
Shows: 11,59,19
